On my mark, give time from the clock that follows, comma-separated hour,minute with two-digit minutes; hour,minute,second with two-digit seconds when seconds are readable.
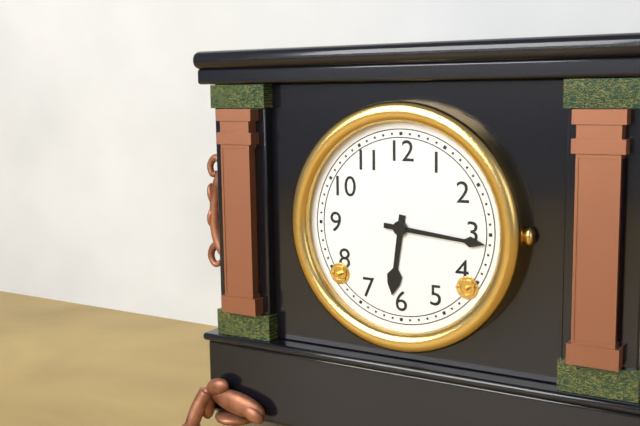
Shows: 6,16
